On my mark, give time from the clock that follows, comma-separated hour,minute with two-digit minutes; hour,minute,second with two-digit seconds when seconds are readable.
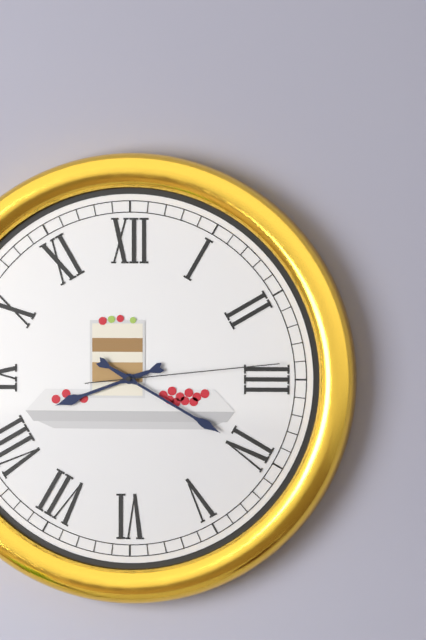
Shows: 8,20,14
